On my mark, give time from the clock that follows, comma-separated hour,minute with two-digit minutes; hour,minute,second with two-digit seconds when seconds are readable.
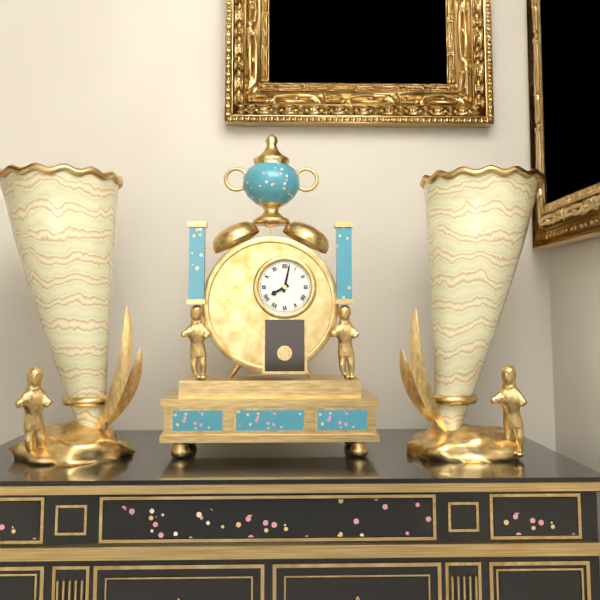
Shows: 8,02
